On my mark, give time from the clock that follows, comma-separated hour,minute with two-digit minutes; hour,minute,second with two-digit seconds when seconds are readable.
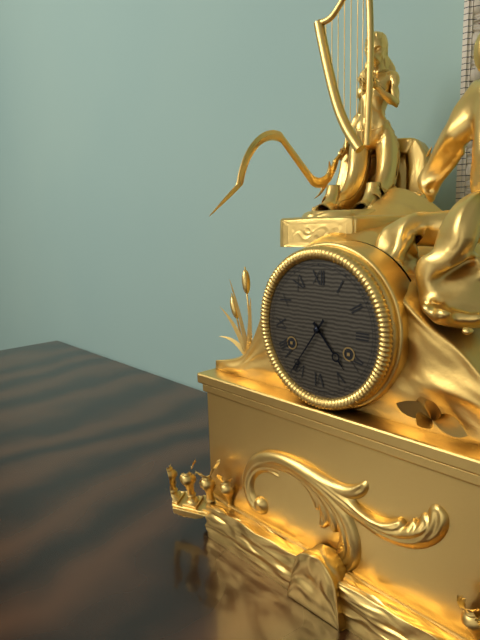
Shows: 4,36
